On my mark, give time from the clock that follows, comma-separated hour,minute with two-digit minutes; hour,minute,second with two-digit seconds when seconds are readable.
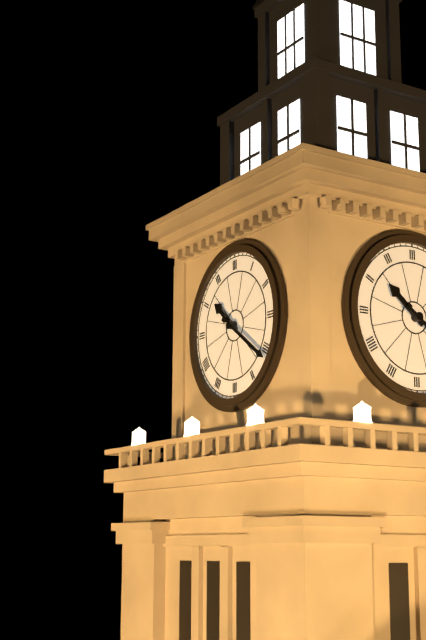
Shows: 10,21
